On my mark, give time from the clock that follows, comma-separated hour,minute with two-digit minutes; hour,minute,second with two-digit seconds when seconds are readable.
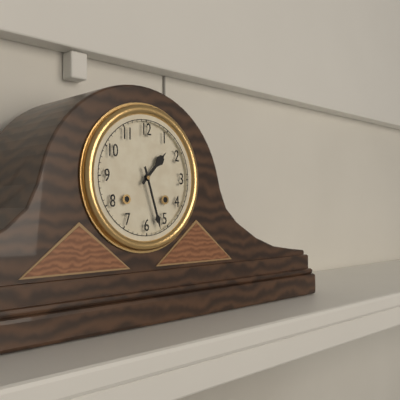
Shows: 1,27
